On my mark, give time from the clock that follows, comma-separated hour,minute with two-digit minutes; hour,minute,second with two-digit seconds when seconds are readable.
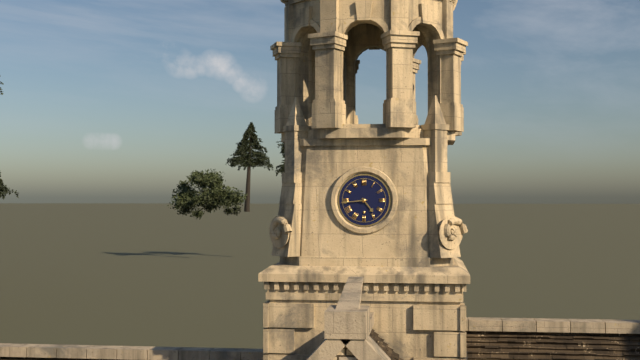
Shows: 4,44
